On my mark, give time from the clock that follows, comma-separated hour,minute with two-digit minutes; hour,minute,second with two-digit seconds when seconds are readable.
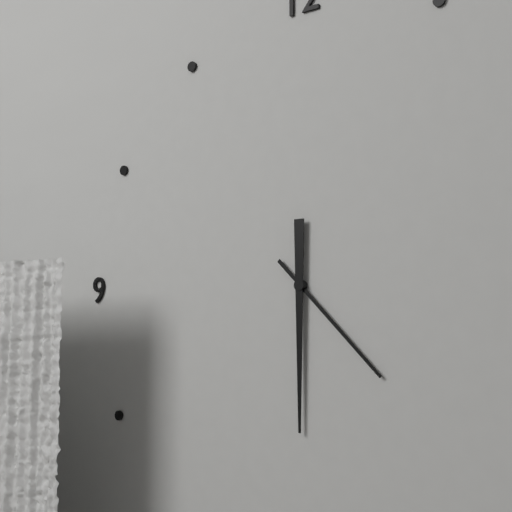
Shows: 4,30
